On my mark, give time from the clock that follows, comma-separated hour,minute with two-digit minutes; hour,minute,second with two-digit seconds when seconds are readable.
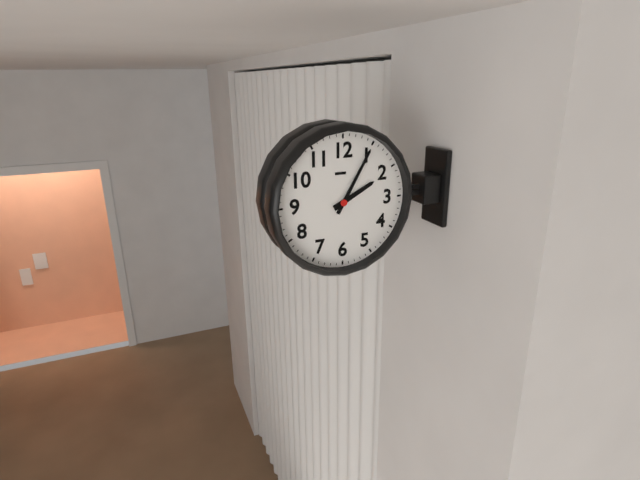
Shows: 2,05
